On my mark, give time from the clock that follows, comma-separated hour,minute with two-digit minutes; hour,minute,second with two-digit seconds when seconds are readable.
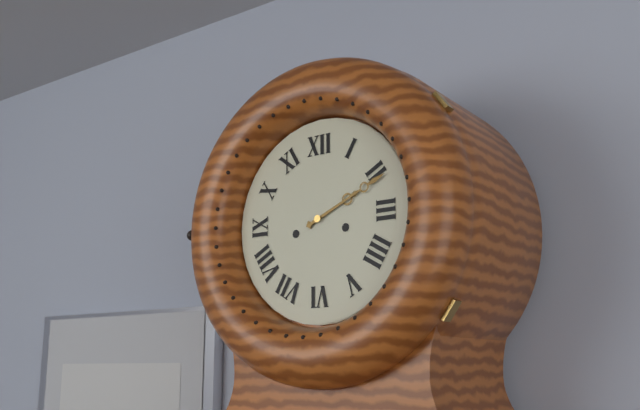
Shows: 2,11
